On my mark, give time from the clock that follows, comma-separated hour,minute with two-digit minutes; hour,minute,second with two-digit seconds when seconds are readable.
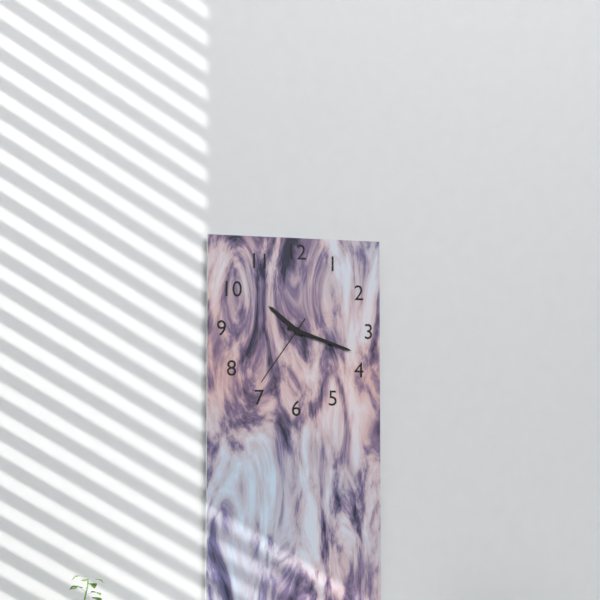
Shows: 10,18,36
